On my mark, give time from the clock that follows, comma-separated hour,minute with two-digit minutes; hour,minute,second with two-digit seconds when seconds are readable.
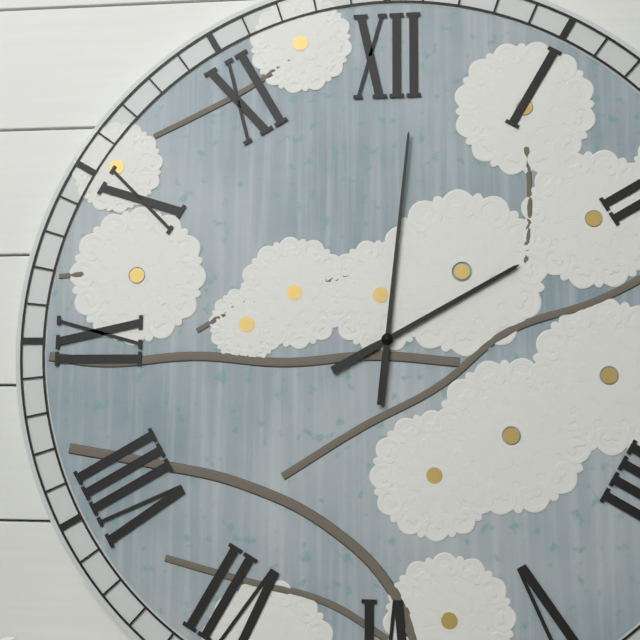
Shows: 2,01
